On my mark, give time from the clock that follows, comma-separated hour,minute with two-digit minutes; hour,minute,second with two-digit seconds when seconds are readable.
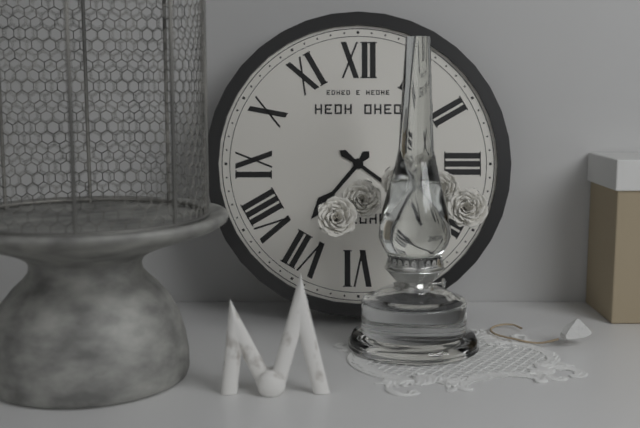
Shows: 7,21
